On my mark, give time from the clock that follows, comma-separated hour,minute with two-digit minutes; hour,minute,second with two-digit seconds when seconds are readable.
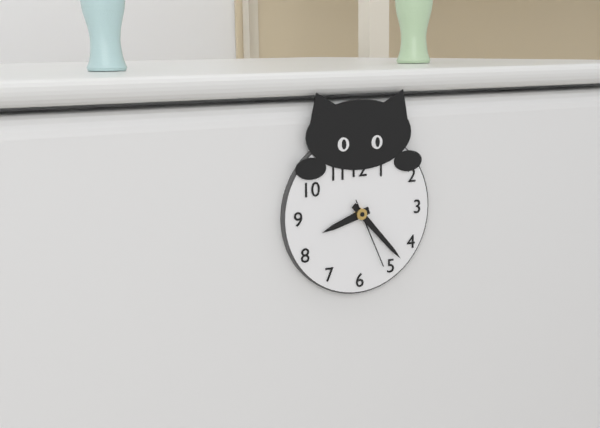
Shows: 8,23,26
